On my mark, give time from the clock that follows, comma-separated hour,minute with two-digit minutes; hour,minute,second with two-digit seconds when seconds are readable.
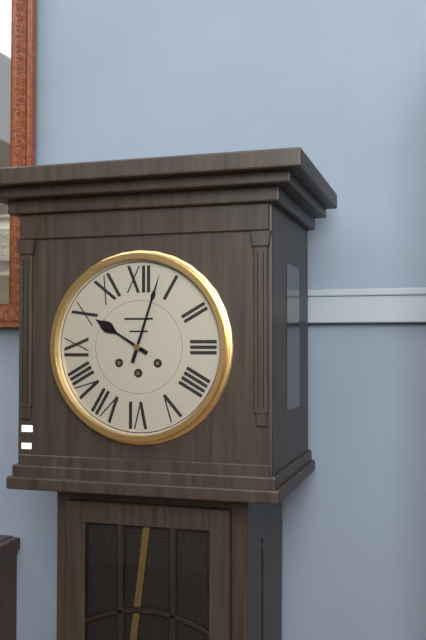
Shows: 10,03
